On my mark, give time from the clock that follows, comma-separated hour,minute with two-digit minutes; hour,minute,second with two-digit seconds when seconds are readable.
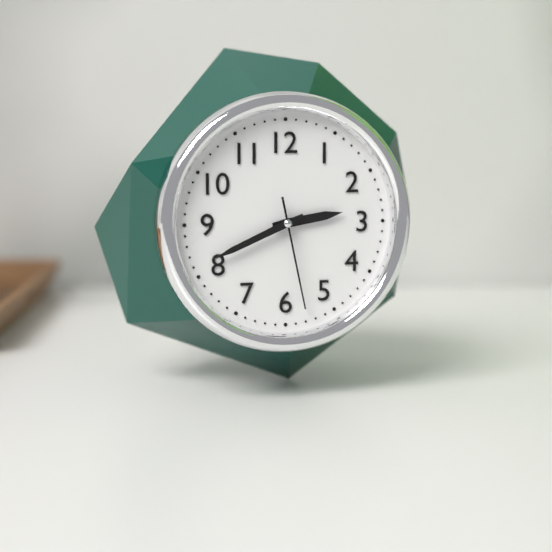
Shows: 2,41,28
